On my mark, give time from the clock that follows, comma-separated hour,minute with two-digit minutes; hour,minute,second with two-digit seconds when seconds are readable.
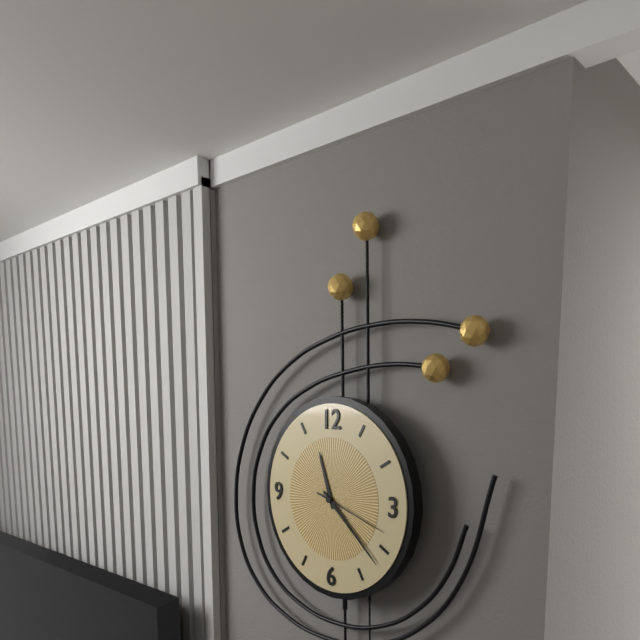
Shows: 11,22,18
